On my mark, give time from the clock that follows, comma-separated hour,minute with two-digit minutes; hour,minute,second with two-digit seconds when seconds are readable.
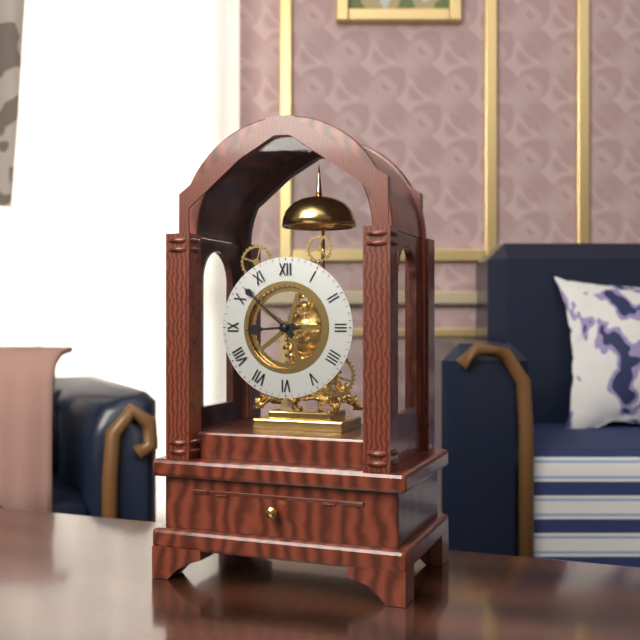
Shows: 8,52
